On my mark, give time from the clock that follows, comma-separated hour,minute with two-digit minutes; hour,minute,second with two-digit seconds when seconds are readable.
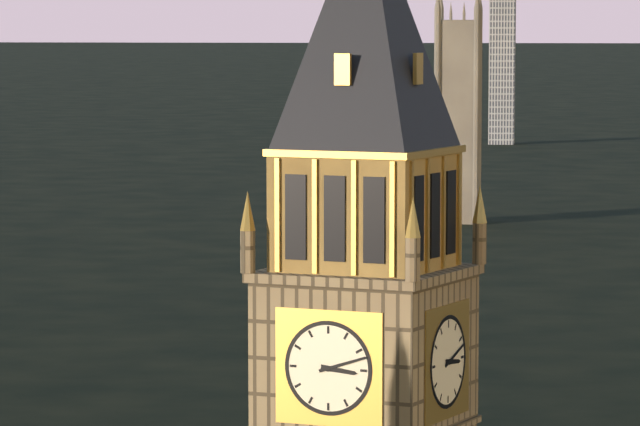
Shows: 3,12
